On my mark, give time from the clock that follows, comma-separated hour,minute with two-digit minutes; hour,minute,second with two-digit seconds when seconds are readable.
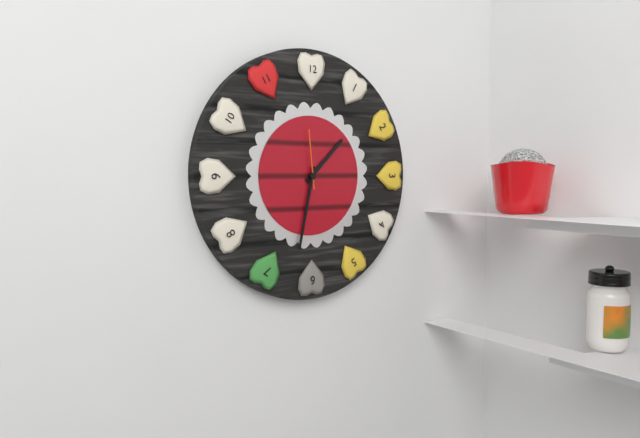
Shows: 1,32,59
